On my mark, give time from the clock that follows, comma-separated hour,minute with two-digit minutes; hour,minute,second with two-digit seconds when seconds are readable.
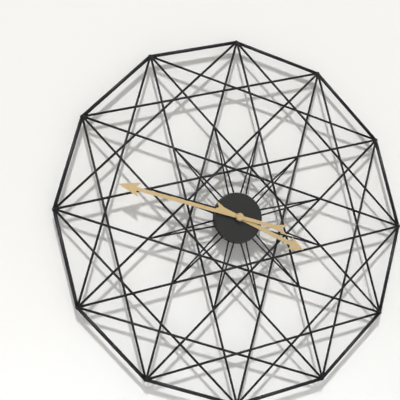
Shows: 3,47
